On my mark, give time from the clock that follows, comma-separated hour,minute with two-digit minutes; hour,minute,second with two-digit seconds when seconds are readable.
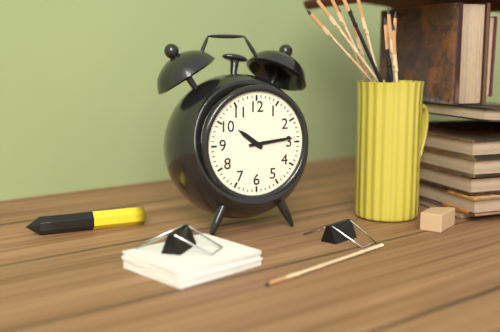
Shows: 10,14
